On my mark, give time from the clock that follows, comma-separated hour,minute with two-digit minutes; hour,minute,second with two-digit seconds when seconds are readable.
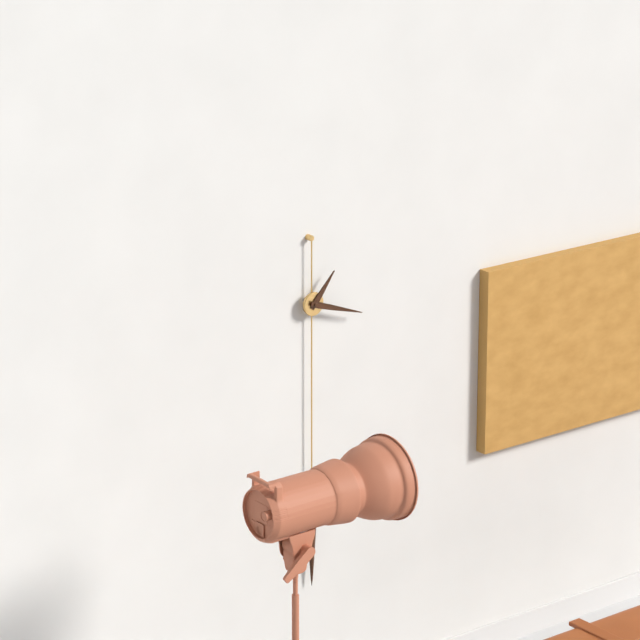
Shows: 1,18
